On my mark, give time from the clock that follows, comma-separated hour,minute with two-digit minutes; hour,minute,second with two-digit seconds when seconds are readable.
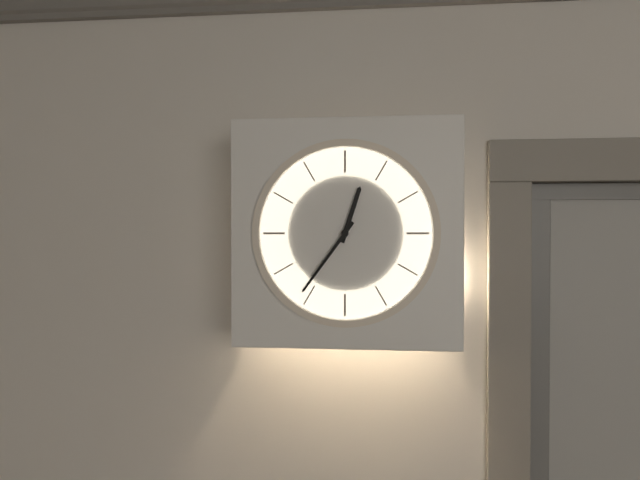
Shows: 12,36
